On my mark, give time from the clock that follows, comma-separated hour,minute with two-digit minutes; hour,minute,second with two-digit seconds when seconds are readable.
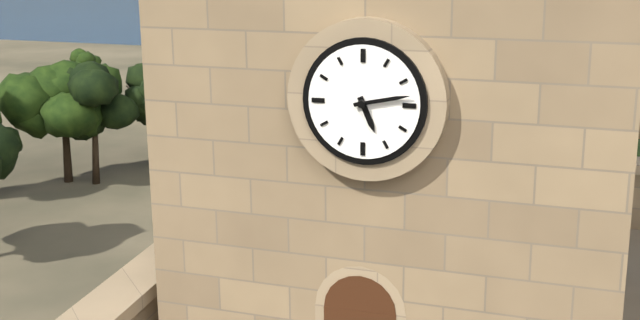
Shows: 5,13
